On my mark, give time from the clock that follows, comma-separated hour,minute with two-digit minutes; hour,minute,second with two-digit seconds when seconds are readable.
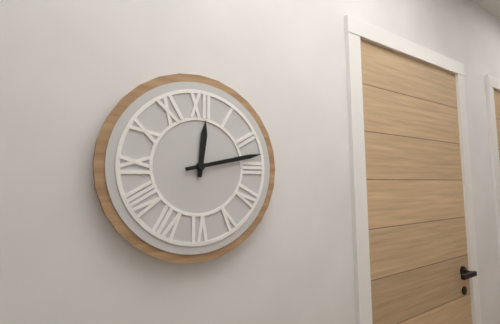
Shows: 12,13
